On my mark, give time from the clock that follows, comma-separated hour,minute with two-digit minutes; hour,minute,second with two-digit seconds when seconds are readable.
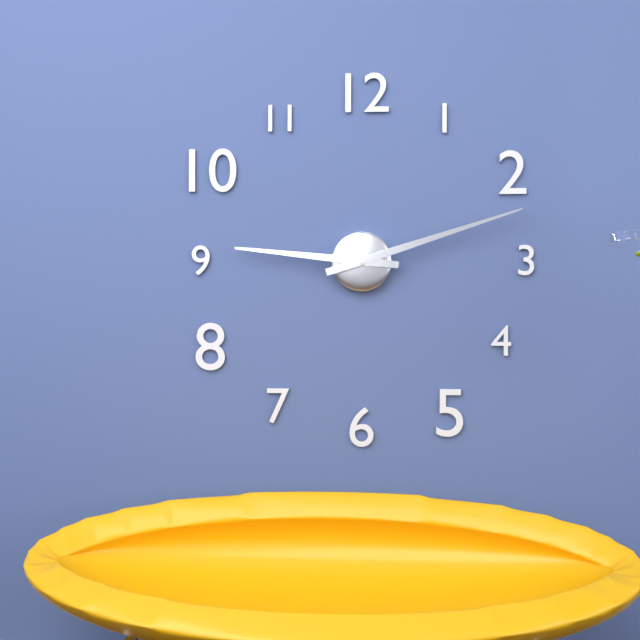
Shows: 9,12
